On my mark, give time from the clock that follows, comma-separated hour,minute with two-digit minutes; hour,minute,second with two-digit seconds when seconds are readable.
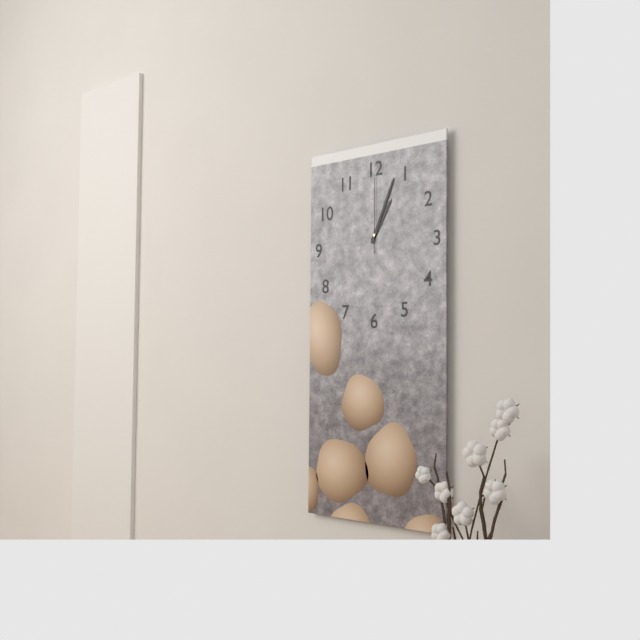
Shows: 1,04,00
